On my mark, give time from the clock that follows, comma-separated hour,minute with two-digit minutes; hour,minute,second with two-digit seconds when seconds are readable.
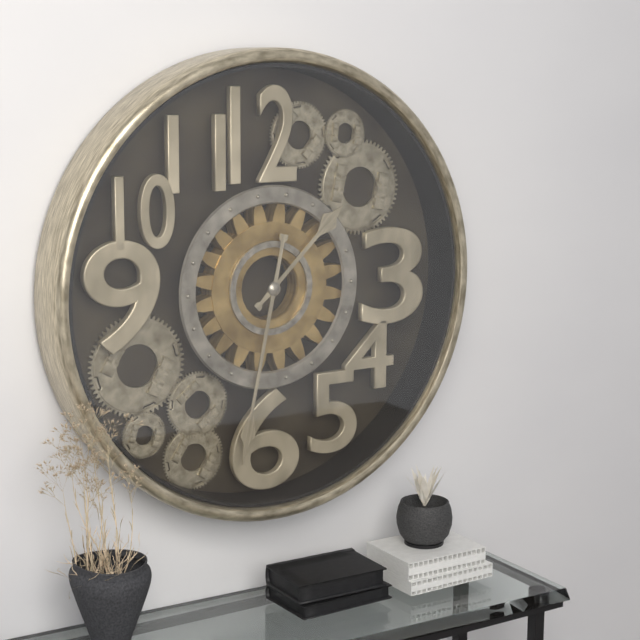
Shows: 1,32
